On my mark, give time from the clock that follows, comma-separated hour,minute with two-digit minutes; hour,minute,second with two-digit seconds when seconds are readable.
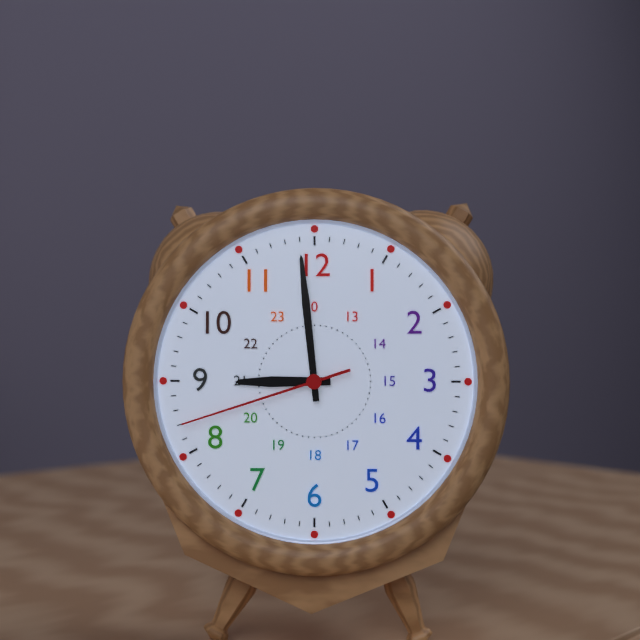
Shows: 8,59,42
